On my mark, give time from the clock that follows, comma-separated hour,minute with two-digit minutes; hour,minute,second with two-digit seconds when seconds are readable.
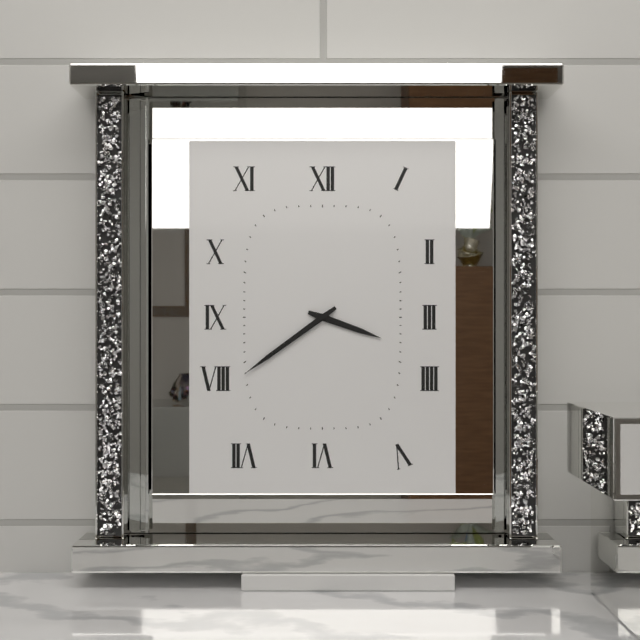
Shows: 3,39
